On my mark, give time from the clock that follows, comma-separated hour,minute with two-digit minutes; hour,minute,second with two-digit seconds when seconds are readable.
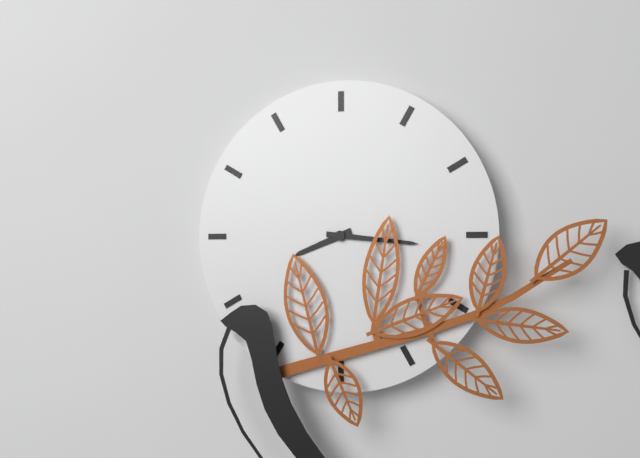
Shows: 8,16
